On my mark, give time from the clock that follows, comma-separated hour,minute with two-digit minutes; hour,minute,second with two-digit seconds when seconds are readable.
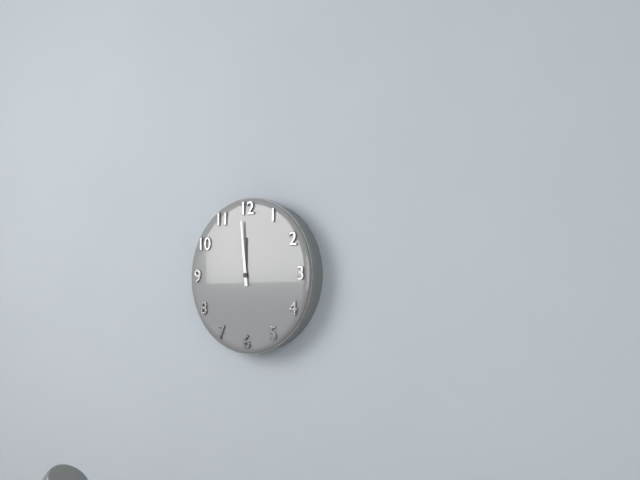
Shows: 11,59
